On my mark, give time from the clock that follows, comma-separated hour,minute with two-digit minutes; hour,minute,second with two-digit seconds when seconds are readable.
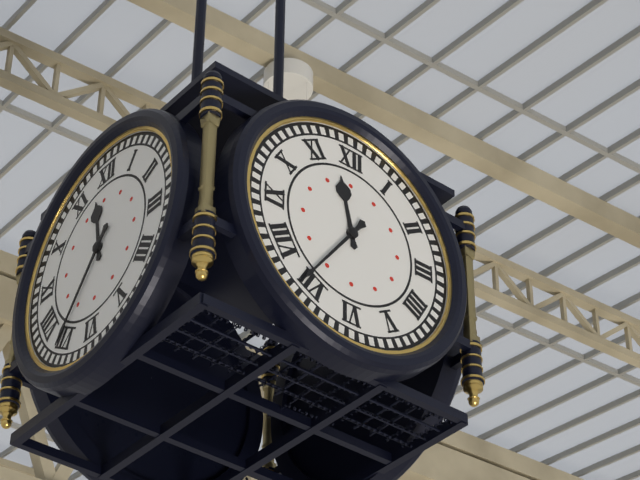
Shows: 11,36
